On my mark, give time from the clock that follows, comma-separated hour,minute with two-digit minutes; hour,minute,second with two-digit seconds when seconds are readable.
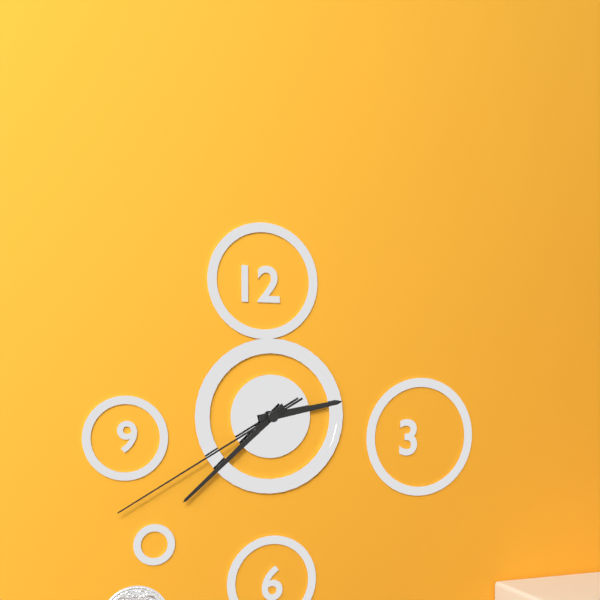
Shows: 2,38,40
